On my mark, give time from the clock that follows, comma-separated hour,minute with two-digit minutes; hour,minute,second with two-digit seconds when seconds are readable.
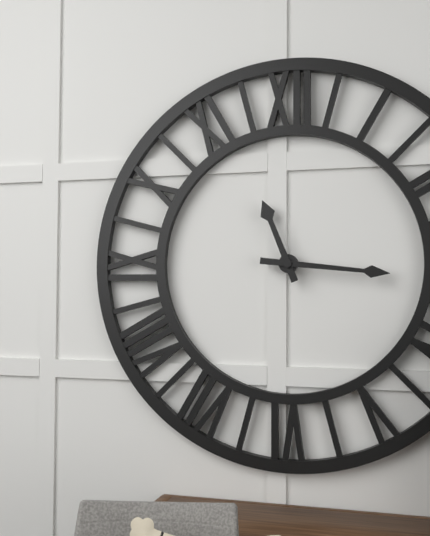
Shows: 11,16
